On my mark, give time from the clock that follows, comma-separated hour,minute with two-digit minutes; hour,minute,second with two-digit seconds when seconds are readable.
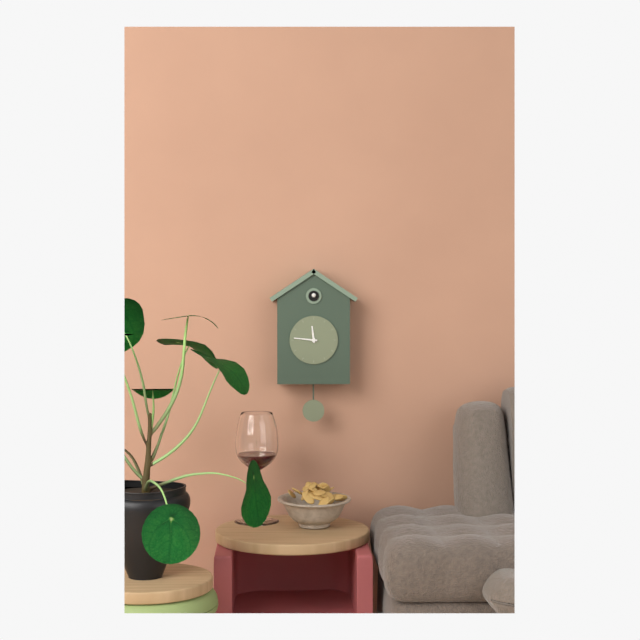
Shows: 11,46
